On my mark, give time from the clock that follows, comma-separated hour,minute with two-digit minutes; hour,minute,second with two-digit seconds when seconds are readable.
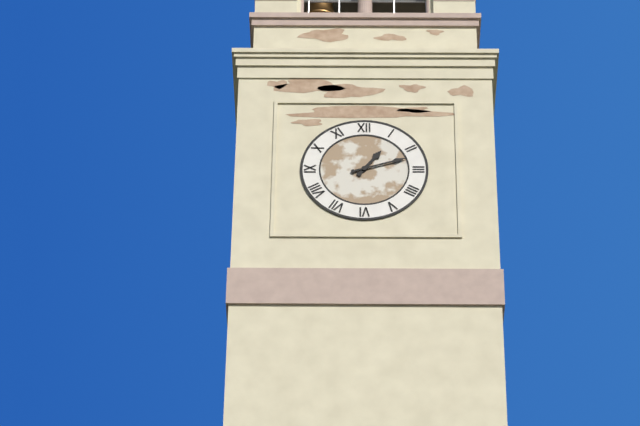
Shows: 1,12
